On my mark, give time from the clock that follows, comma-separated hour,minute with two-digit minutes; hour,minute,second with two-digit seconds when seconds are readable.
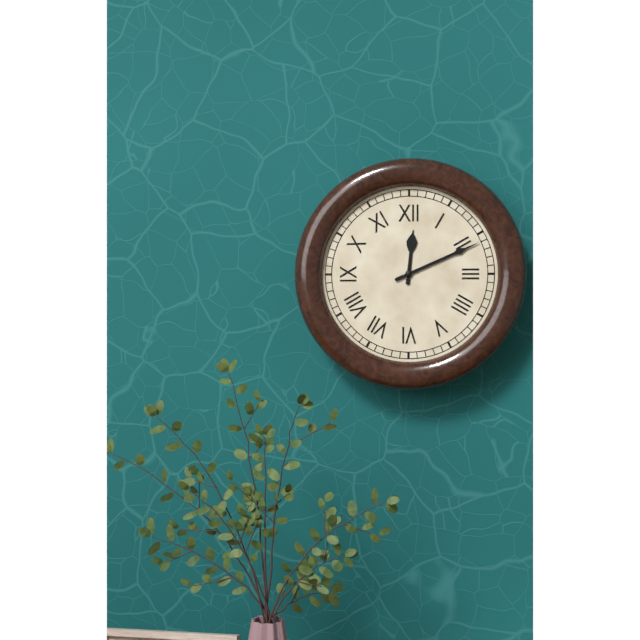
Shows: 12,11
